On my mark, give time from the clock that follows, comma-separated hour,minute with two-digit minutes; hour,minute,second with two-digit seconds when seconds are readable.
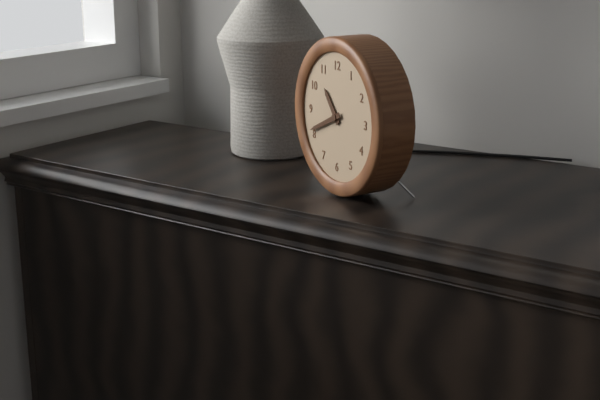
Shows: 10,41
